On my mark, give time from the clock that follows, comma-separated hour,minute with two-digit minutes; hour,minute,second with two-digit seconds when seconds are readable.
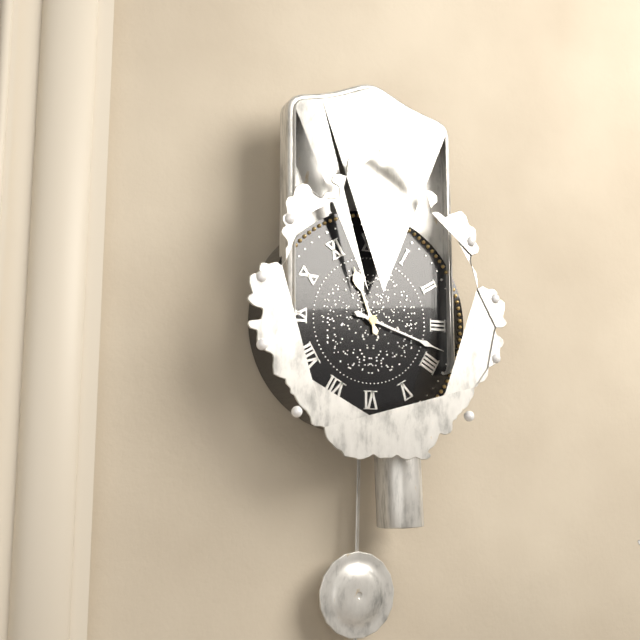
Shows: 11,18
